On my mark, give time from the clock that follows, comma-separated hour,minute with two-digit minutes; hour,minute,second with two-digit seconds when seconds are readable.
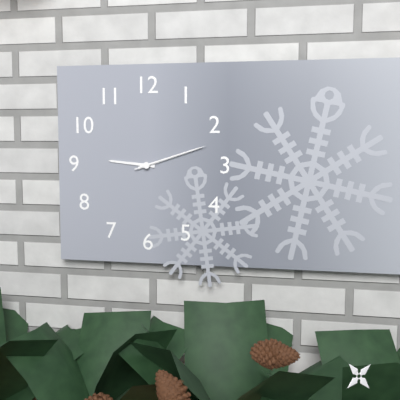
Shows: 9,12,12
